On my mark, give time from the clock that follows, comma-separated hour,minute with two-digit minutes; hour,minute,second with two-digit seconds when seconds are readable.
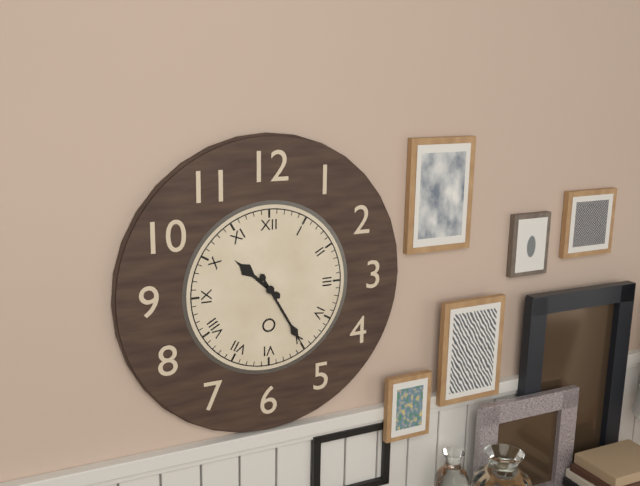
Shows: 10,25
